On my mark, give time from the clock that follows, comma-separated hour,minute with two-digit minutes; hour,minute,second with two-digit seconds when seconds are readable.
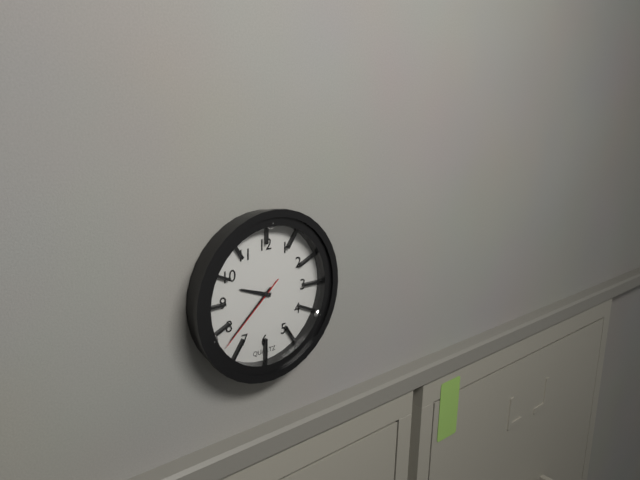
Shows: 9,38,38
